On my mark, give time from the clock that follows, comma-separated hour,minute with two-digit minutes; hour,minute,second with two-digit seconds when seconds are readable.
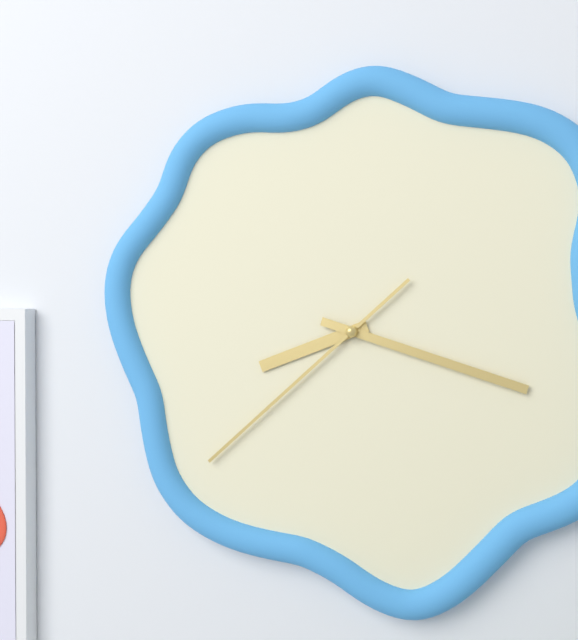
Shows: 8,18,38
